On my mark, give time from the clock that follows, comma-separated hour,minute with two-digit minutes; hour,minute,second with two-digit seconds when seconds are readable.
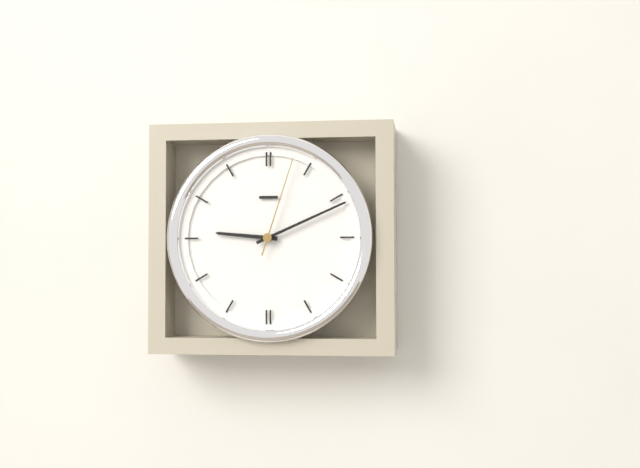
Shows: 9,11,03
